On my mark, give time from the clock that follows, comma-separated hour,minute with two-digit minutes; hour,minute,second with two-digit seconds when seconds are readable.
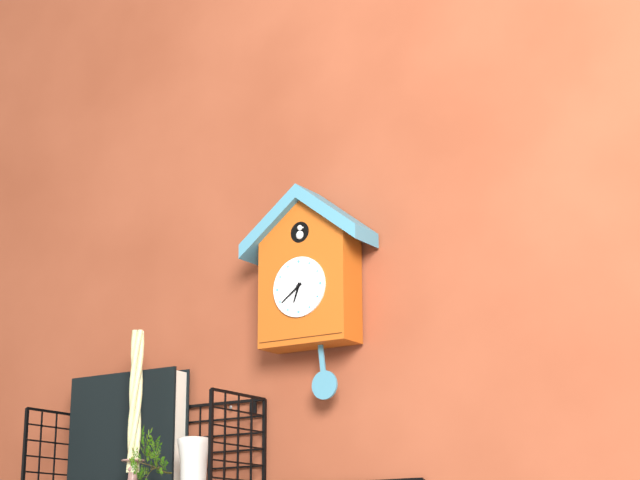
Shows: 6,39
